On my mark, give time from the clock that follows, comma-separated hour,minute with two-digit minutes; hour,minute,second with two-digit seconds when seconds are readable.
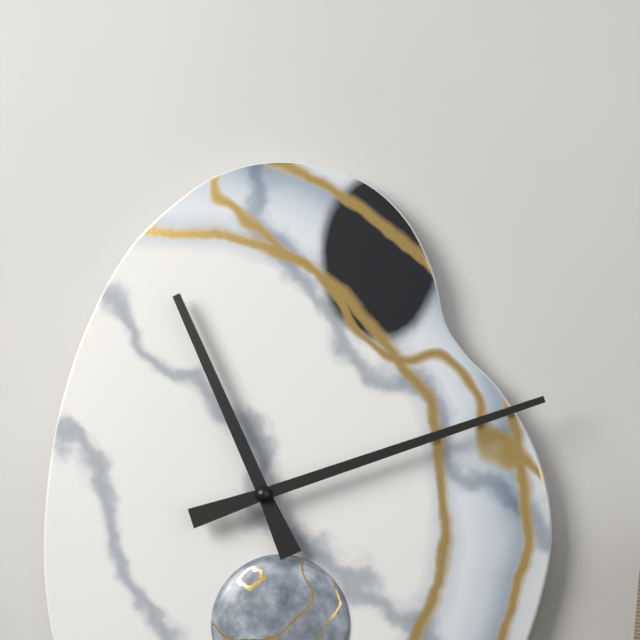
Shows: 11,12
